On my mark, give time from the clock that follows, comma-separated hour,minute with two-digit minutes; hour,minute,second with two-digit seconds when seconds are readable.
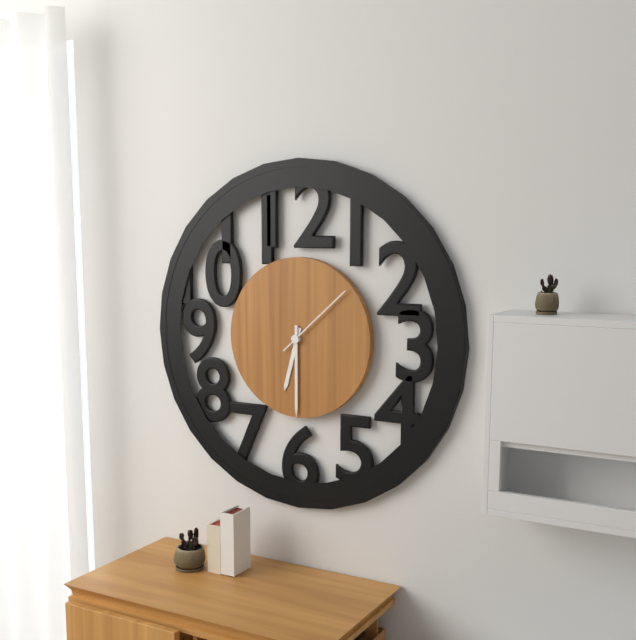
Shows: 6,30,08
